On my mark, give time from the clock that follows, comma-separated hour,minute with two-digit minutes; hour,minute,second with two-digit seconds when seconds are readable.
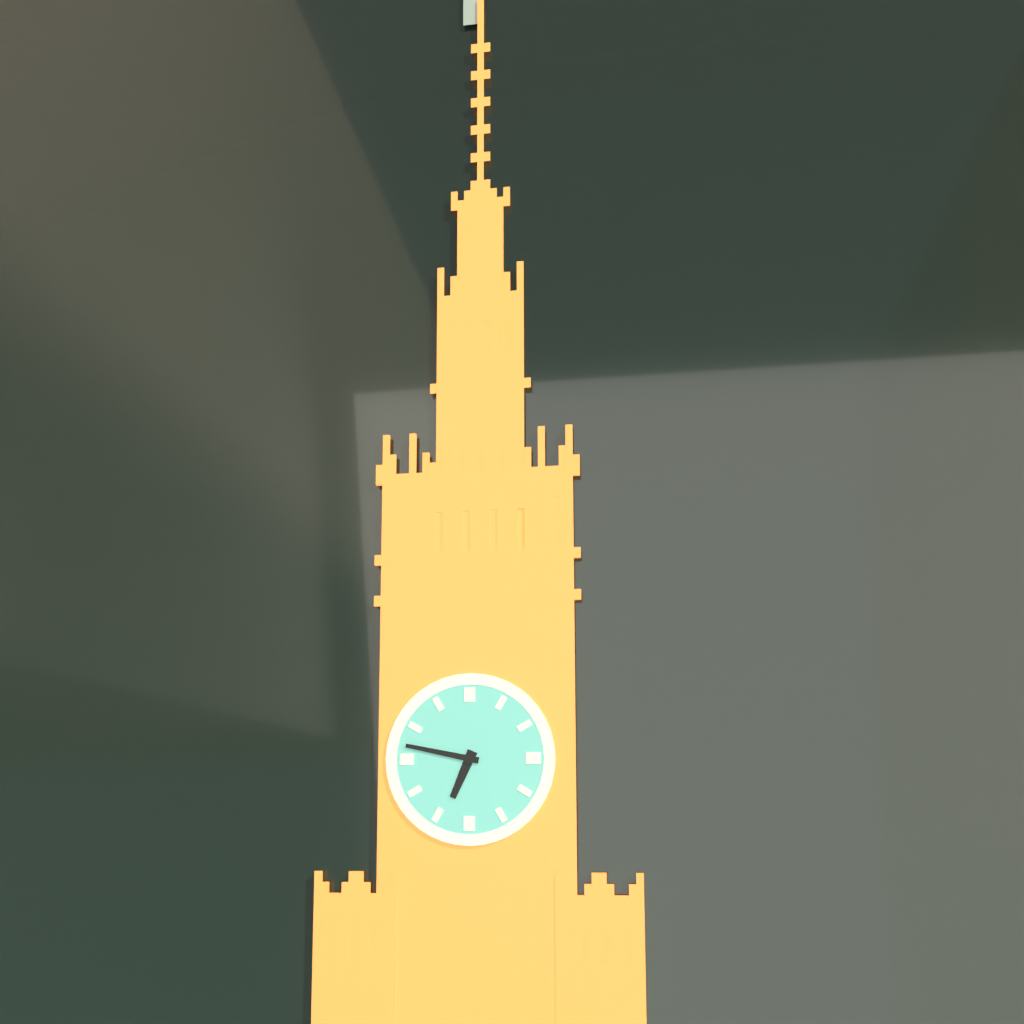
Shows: 6,47
